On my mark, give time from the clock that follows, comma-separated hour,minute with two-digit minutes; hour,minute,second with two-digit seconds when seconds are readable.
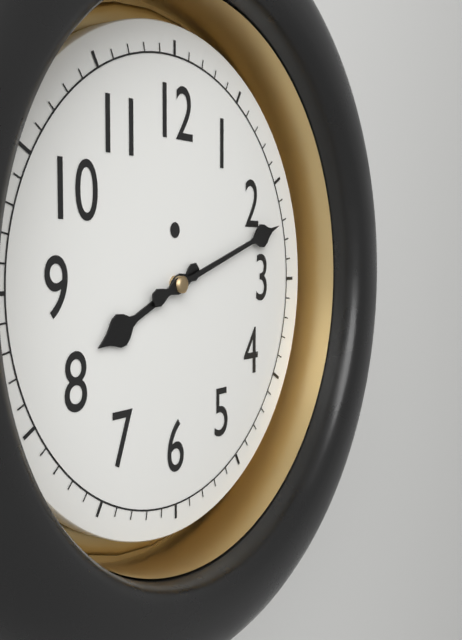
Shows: 8,12
